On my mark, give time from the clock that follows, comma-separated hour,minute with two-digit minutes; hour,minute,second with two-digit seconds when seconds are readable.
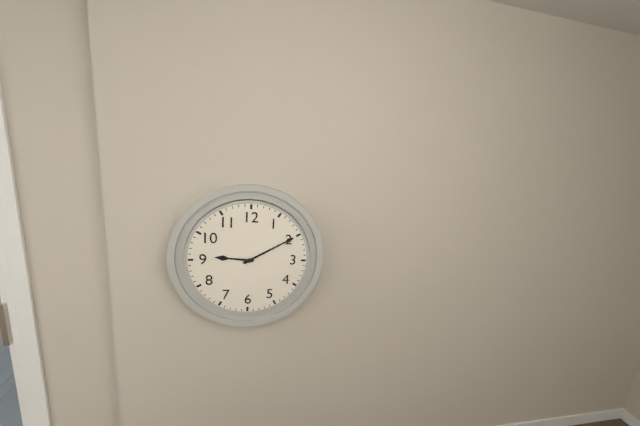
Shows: 9,10
